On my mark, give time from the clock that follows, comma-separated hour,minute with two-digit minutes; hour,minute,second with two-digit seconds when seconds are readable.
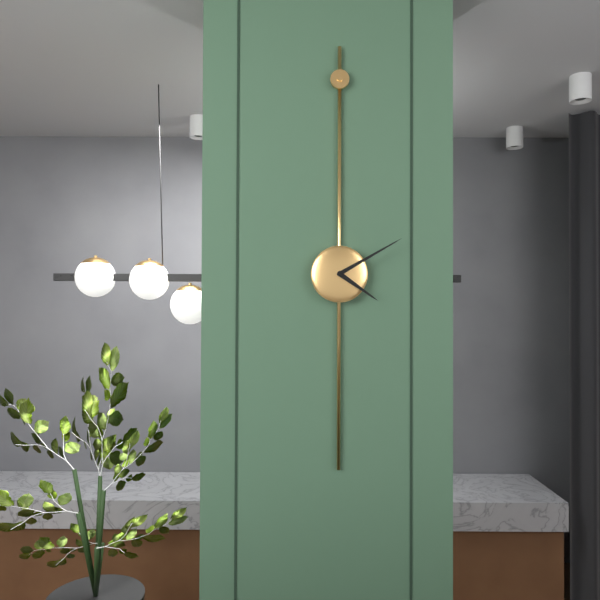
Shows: 4,10
